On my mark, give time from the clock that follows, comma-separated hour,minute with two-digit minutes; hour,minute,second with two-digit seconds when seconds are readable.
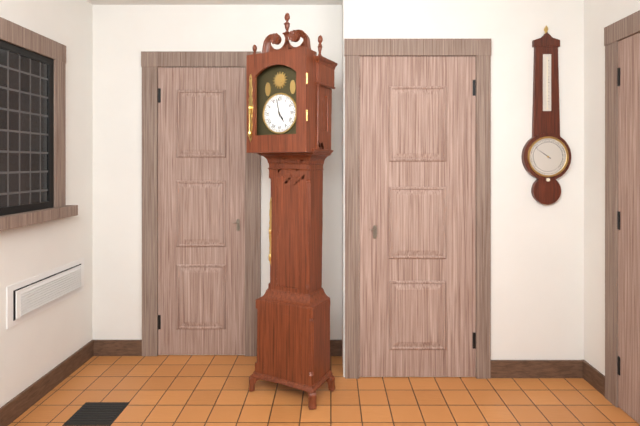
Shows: 4,58
